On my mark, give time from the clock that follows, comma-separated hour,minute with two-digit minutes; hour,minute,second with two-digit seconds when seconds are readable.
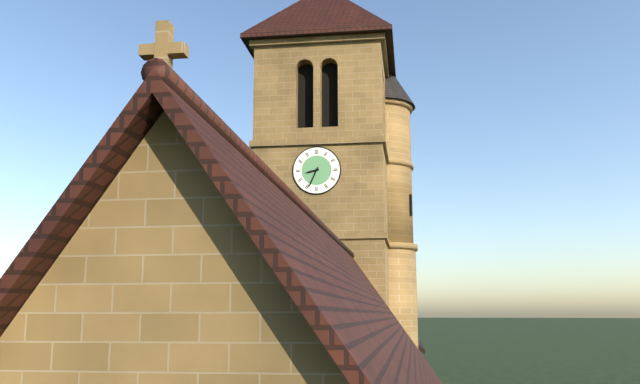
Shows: 8,34
